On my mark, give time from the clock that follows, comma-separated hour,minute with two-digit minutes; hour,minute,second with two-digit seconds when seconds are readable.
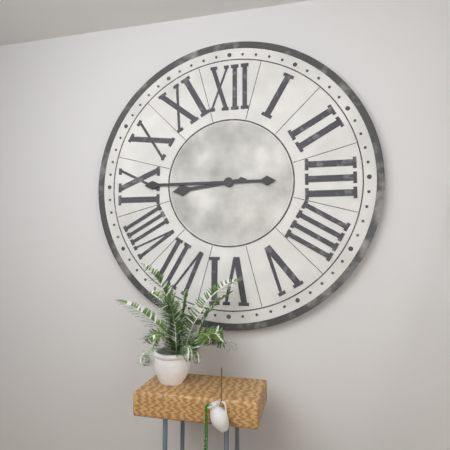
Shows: 8,45
